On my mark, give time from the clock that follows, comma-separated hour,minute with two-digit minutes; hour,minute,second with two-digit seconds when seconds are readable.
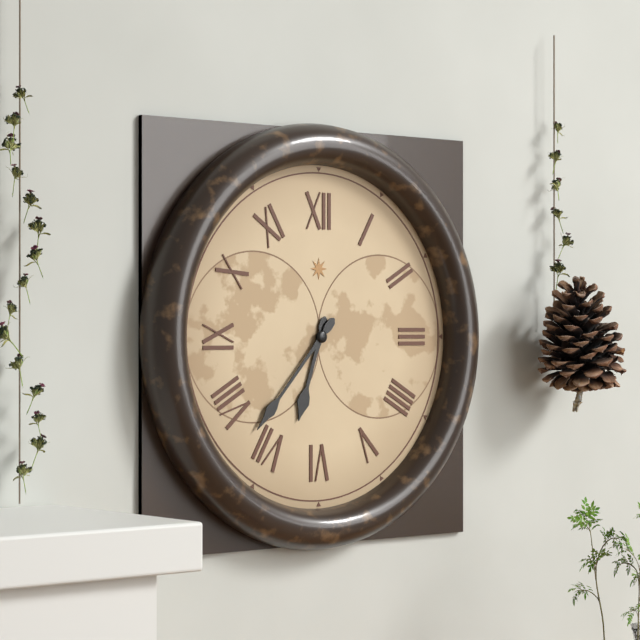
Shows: 6,37
